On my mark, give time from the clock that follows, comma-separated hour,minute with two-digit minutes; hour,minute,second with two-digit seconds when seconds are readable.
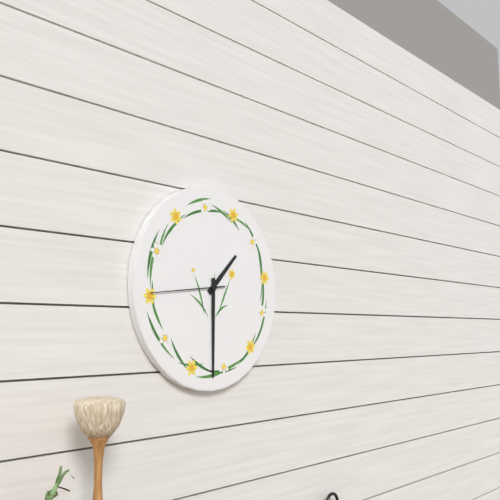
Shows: 1,30,44
